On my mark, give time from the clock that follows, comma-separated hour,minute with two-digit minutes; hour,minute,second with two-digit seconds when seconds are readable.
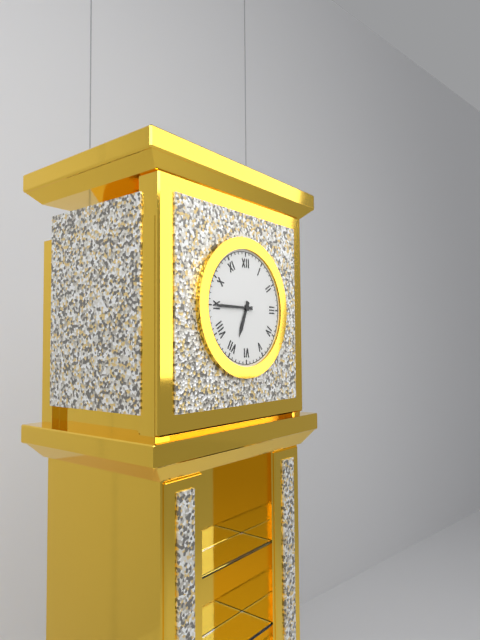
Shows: 6,45
